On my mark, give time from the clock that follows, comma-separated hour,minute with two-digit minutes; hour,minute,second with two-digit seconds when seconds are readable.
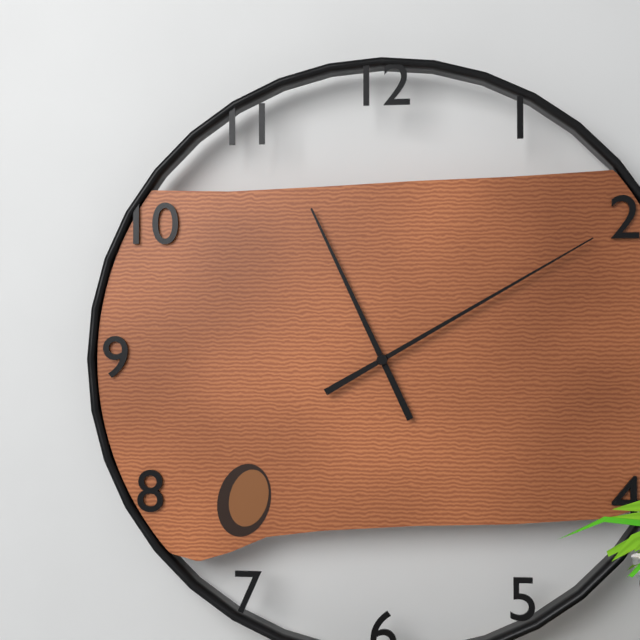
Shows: 11,10
